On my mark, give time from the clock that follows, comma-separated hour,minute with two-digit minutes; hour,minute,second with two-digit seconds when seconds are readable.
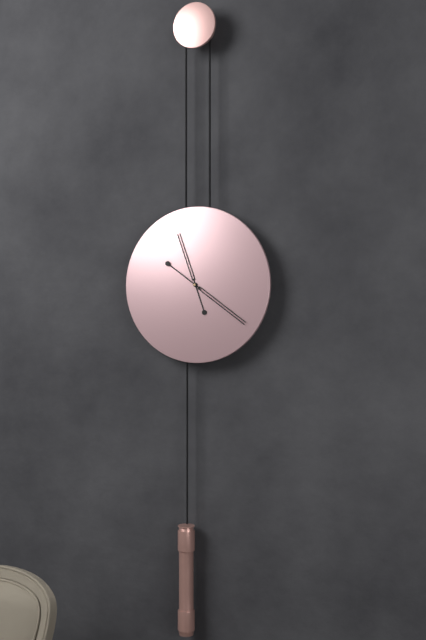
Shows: 11,21
